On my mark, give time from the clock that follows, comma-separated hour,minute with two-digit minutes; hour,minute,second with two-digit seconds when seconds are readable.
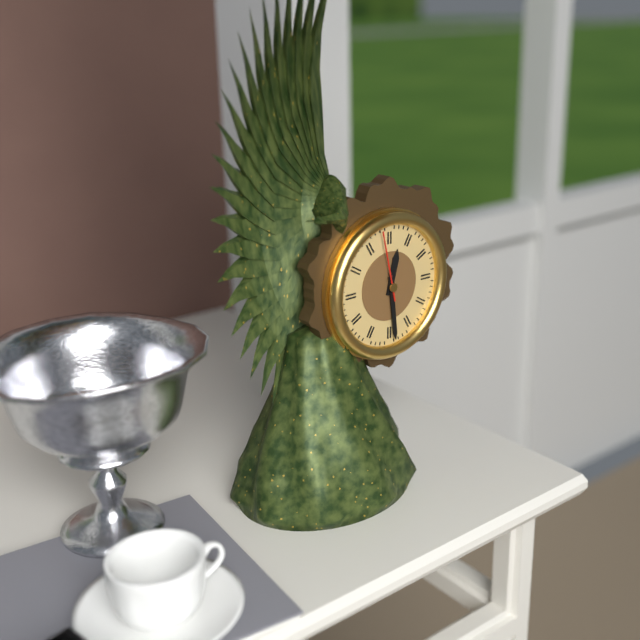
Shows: 12,29,58
